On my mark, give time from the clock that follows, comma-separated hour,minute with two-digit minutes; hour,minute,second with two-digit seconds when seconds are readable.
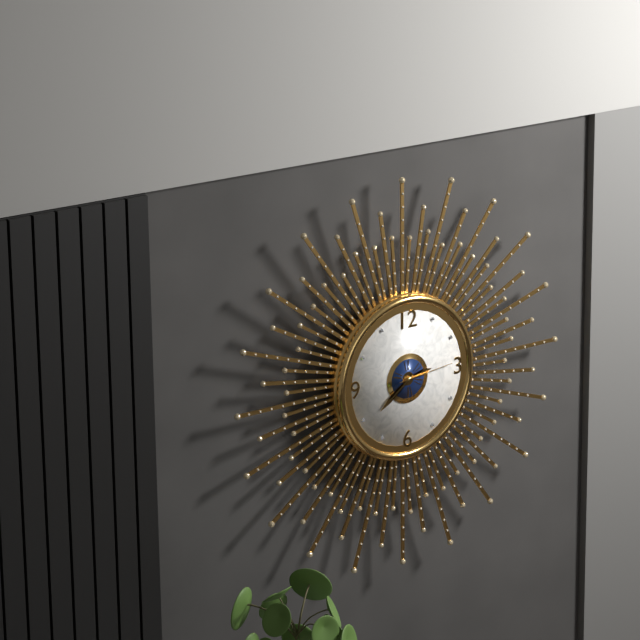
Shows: 2,39,14
